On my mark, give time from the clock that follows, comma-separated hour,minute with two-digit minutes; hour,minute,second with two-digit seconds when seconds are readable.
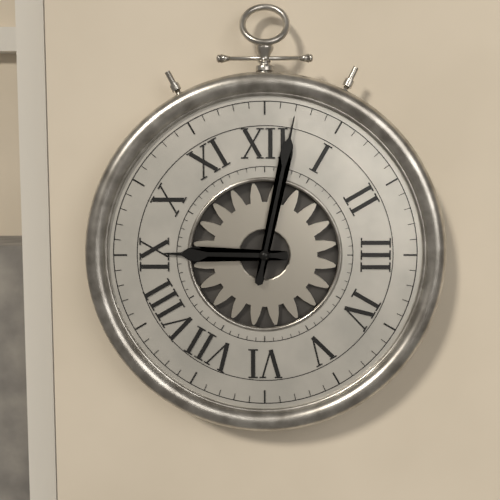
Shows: 9,02
